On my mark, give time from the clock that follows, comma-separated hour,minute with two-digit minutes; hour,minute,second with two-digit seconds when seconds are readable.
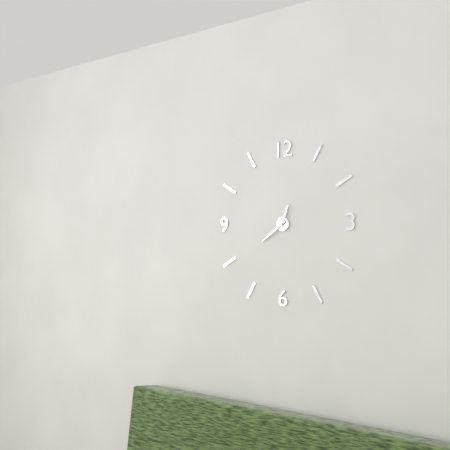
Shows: 12,39
